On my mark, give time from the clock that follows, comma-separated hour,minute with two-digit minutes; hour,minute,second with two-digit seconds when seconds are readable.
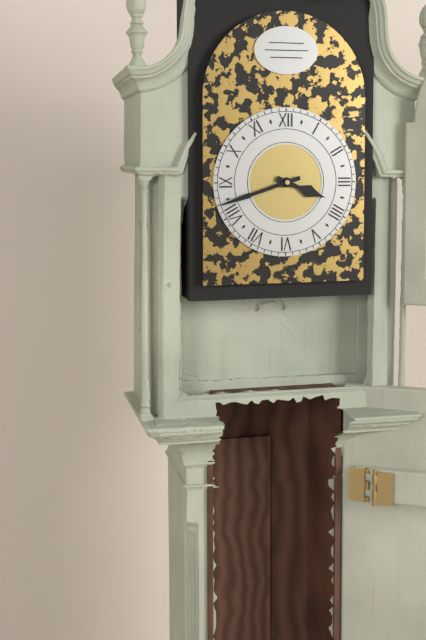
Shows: 3,42
